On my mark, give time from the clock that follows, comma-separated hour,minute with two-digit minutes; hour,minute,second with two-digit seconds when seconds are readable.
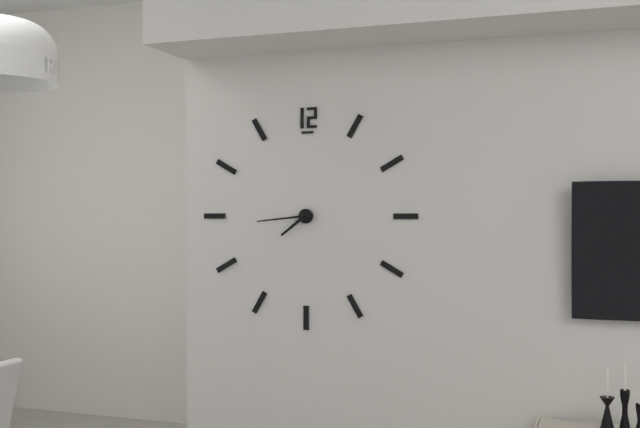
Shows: 7,44
